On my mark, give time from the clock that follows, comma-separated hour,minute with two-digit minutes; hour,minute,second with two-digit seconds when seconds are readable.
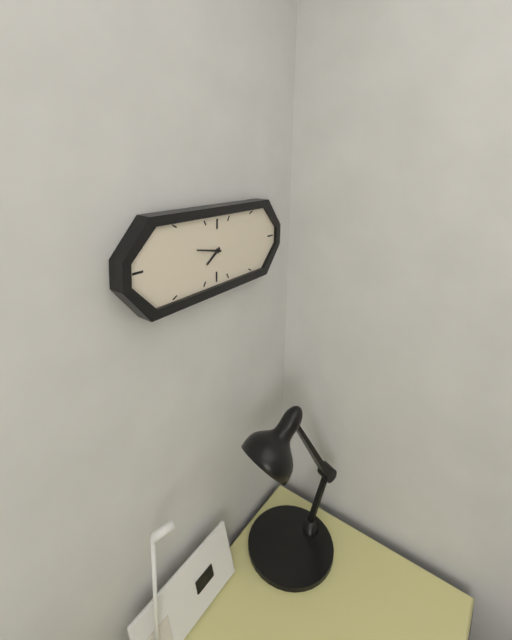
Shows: 7,47
